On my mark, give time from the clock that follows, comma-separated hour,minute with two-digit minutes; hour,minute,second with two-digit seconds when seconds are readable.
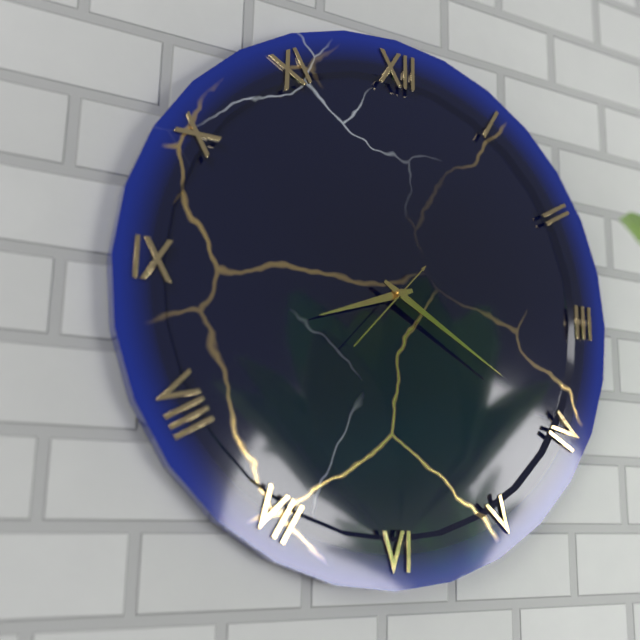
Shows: 8,20,37
